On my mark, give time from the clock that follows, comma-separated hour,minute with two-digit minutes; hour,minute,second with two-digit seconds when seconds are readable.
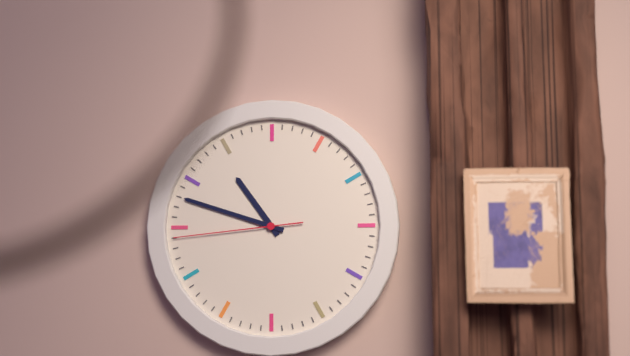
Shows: 10,48,44
